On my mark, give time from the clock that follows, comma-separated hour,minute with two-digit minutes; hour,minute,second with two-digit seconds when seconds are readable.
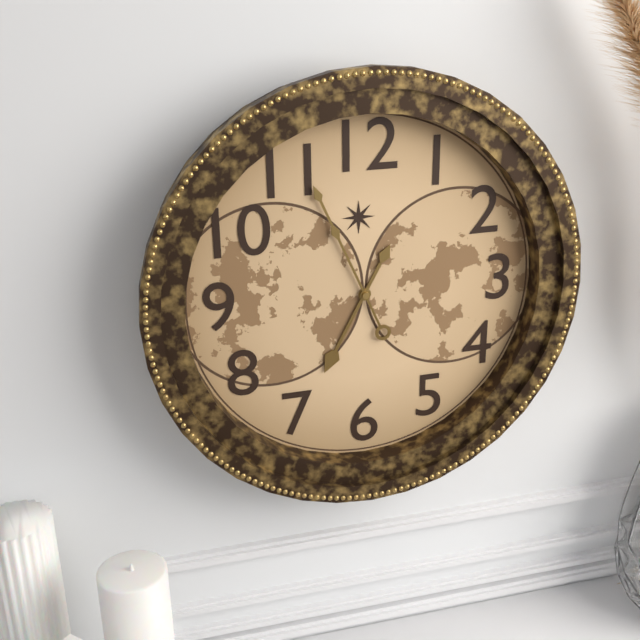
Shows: 6,56
